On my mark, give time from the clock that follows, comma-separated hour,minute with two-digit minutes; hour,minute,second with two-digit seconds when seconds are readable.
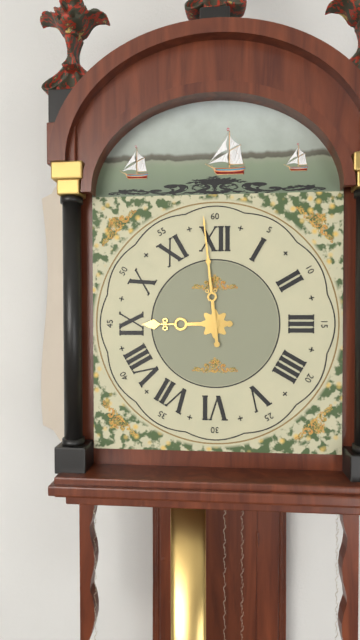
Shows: 8,59
